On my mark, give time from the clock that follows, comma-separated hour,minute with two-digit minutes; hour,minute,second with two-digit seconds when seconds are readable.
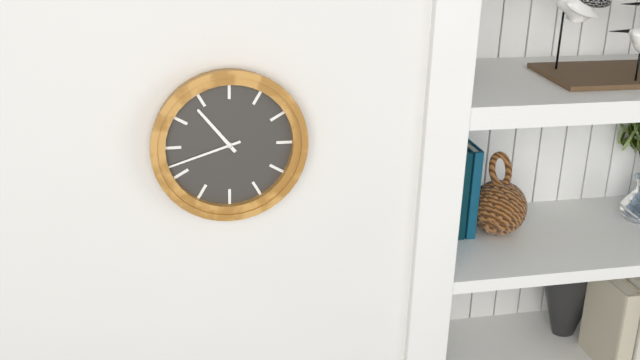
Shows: 10,42
